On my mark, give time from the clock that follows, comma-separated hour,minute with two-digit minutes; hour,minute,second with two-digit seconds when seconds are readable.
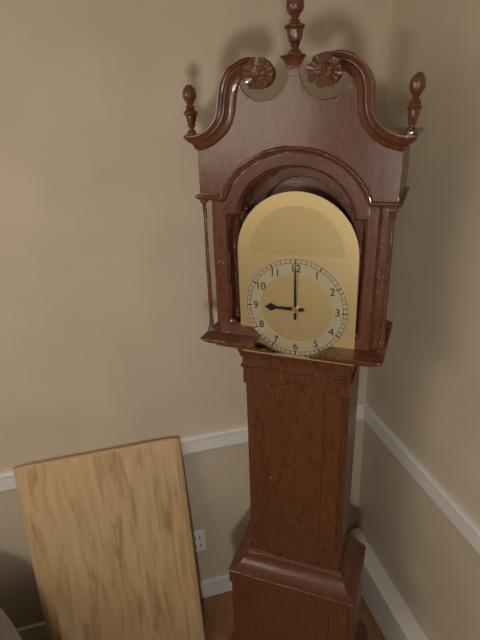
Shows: 9,00
